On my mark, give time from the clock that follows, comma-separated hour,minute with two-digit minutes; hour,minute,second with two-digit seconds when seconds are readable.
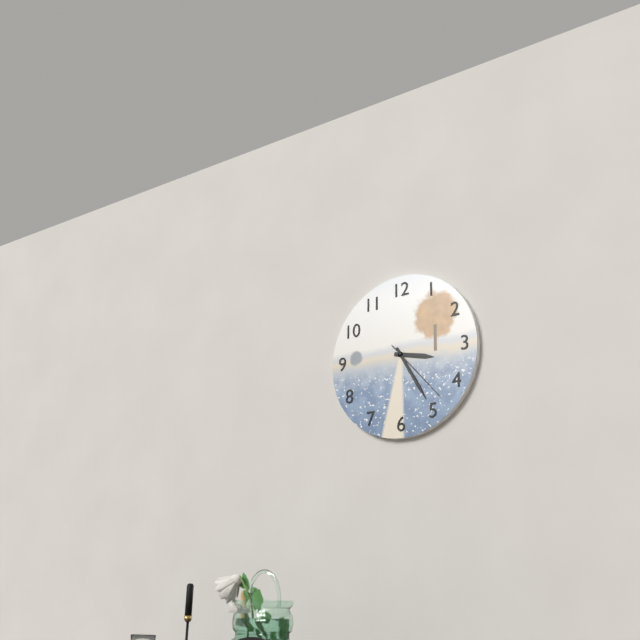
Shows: 3,25,23
